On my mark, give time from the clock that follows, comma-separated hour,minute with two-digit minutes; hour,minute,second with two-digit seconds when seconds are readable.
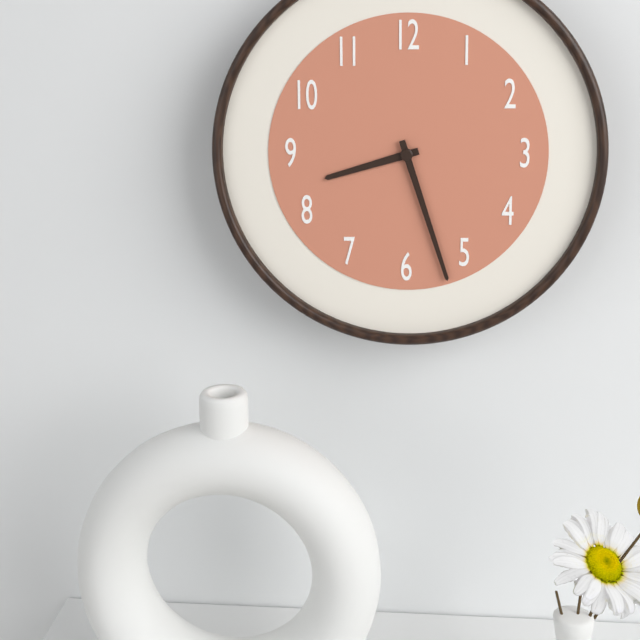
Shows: 8,27
